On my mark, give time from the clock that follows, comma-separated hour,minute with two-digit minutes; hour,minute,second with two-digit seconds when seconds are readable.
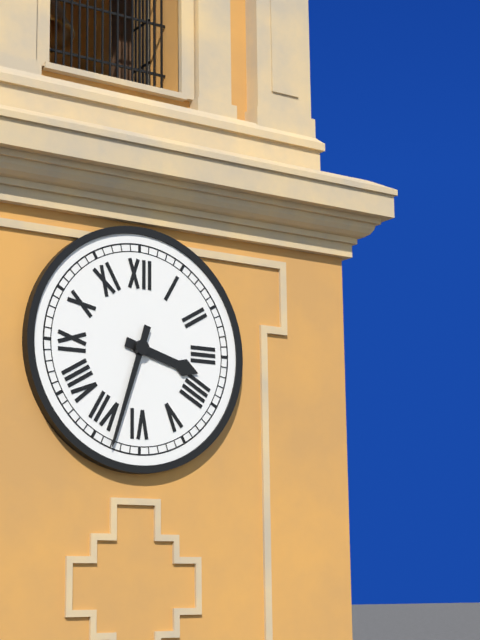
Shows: 3,33
